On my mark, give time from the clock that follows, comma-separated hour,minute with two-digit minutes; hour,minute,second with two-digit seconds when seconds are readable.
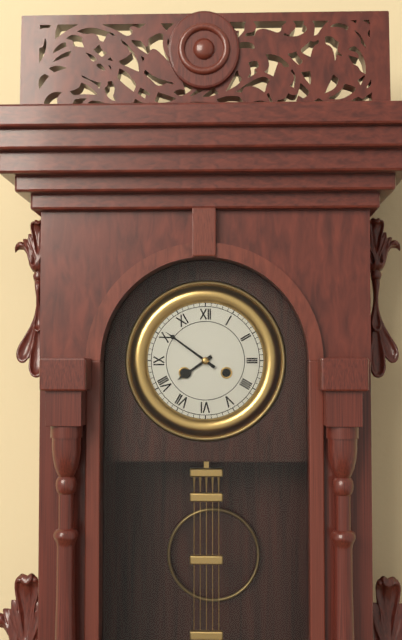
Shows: 7,51
